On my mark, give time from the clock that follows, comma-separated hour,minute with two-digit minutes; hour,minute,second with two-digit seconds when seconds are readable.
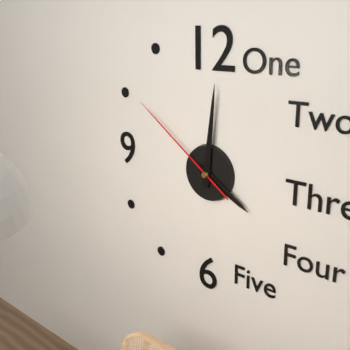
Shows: 4,01,51
